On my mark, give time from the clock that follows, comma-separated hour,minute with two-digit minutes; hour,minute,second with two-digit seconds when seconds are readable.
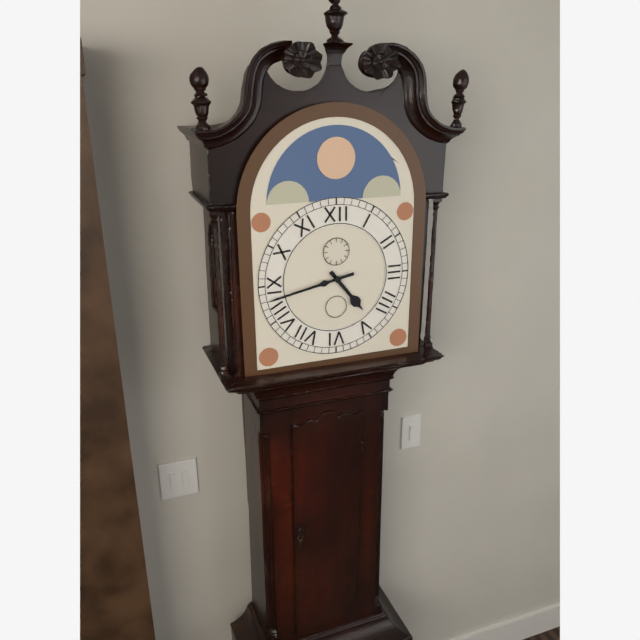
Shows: 4,43
